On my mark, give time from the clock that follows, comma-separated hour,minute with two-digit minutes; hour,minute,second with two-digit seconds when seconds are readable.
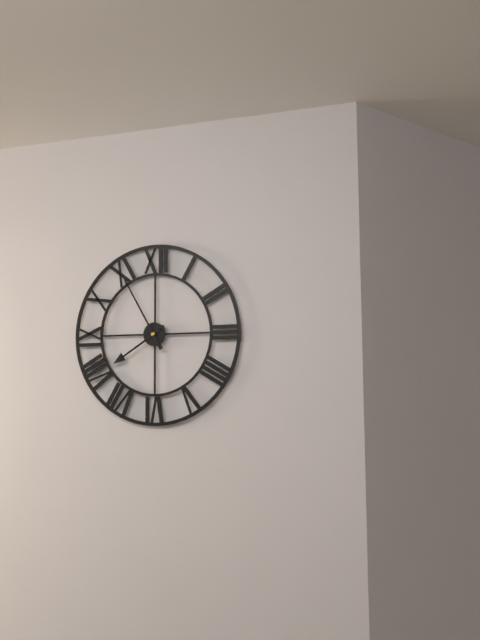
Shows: 7,55
